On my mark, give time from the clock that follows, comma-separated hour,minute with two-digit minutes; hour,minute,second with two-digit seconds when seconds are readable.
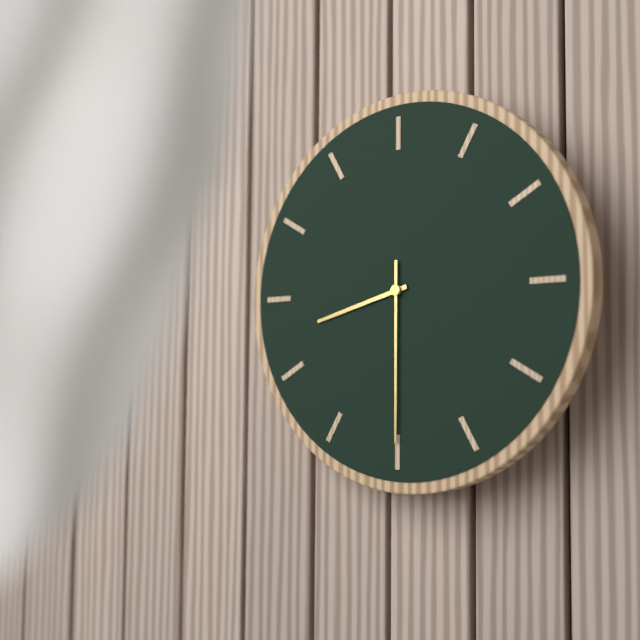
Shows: 8,30
